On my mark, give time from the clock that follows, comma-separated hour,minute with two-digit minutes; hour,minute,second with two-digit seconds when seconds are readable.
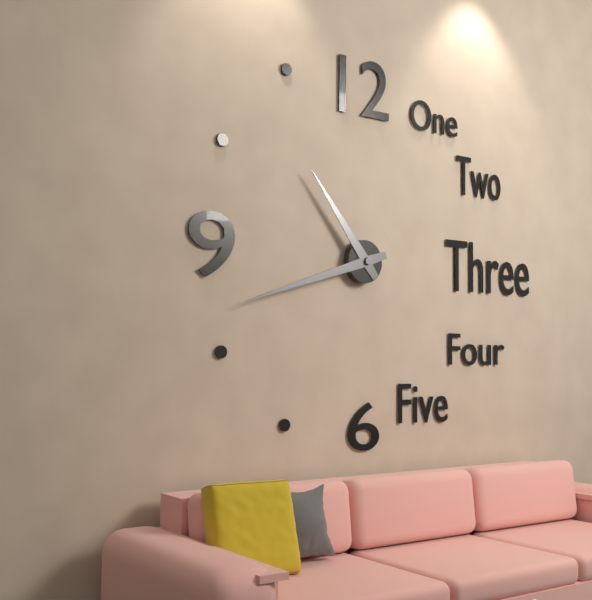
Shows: 10,42
